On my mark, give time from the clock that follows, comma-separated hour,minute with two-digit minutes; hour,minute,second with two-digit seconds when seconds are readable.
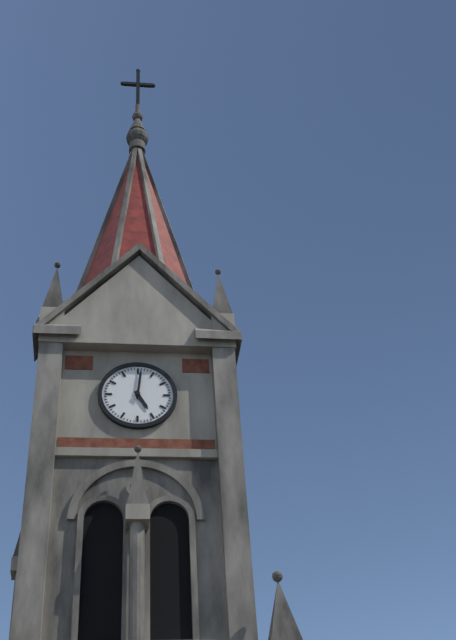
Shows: 5,01
